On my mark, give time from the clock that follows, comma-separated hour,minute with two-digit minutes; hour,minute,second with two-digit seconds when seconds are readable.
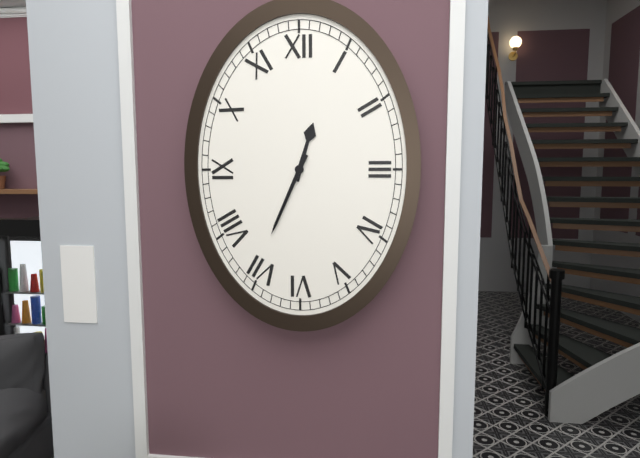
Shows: 12,34
